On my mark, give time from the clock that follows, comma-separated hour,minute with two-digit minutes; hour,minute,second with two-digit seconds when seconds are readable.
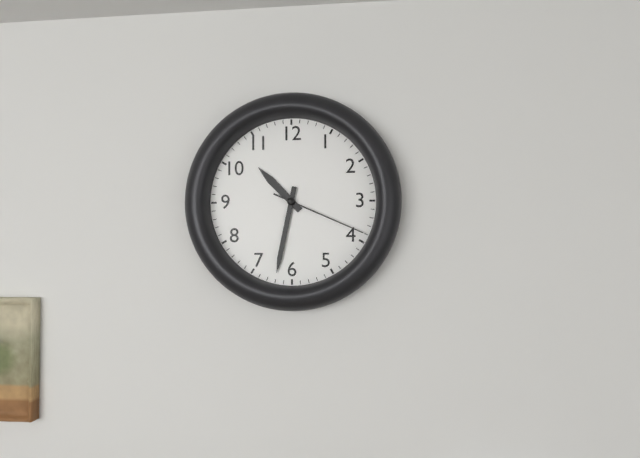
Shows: 10,32,19
